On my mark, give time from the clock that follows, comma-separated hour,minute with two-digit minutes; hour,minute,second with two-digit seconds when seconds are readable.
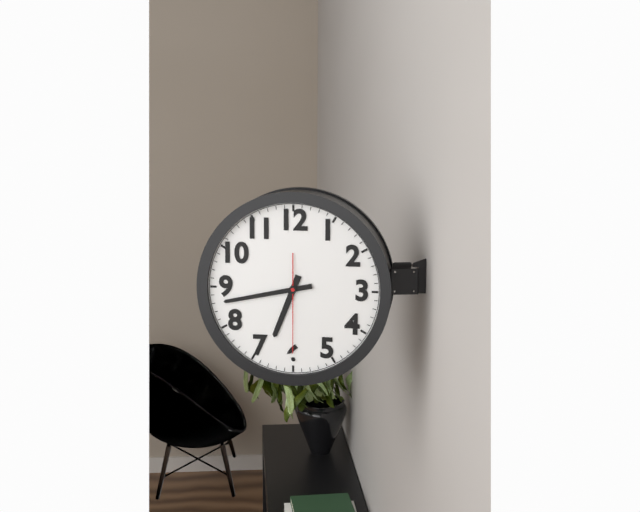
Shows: 6,43,30
